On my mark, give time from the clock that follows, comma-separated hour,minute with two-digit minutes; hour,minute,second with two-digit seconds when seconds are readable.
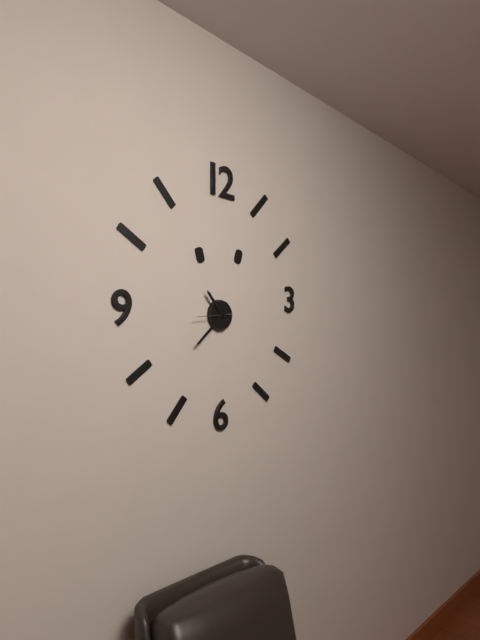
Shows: 10,38
